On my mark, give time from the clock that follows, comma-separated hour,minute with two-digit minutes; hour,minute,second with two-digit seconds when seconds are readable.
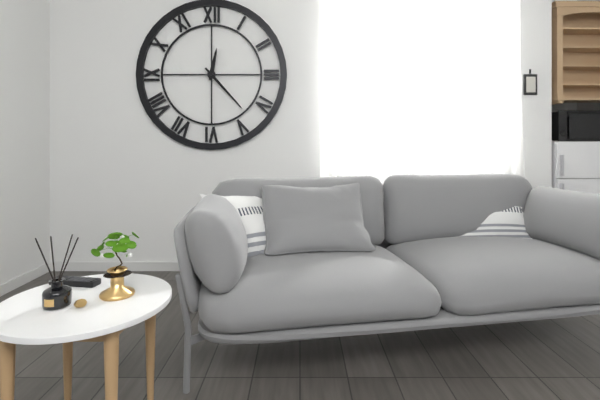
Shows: 12,23
